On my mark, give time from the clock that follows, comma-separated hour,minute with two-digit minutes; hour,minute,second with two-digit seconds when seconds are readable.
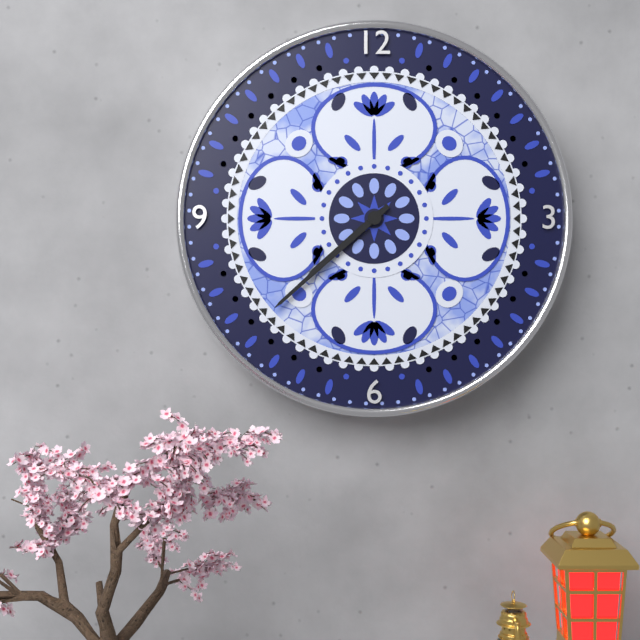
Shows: 7,38
